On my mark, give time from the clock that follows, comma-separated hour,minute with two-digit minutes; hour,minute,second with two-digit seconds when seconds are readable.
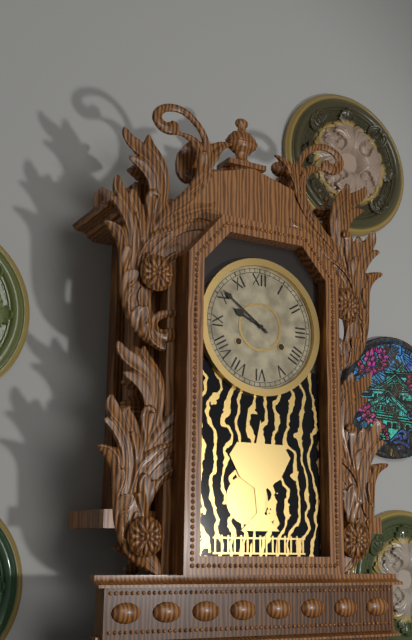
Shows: 9,51
